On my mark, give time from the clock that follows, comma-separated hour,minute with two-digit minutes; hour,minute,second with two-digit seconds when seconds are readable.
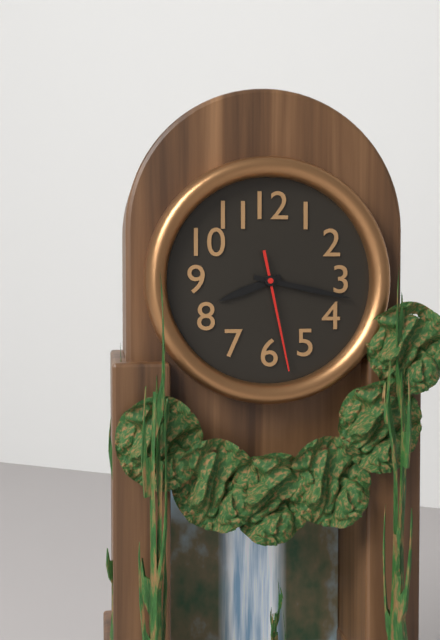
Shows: 8,17,28
